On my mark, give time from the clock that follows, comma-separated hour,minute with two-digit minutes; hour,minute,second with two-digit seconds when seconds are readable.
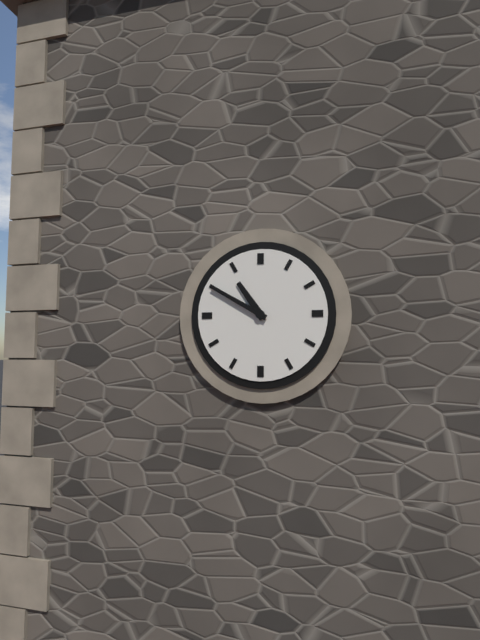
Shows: 10,50
